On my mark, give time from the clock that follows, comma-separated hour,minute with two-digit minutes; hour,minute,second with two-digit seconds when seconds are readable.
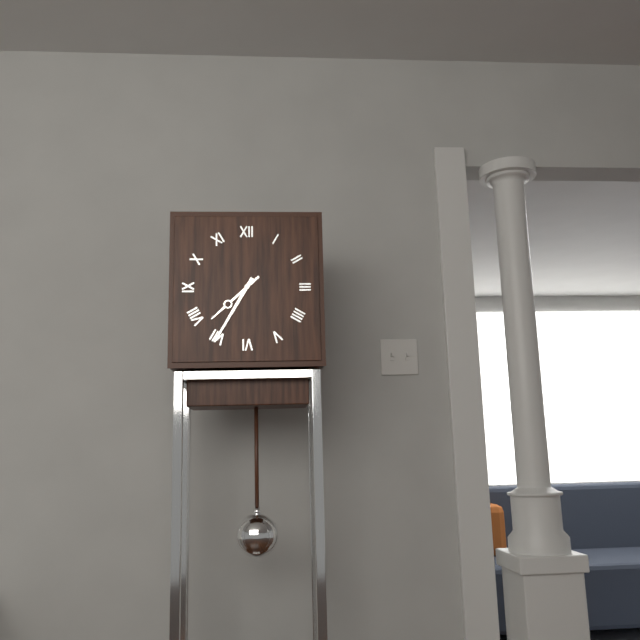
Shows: 7,35
